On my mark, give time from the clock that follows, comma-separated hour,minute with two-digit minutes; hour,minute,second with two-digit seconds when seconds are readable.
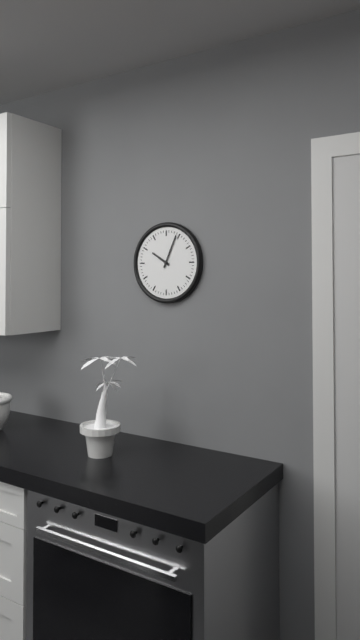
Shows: 10,04
